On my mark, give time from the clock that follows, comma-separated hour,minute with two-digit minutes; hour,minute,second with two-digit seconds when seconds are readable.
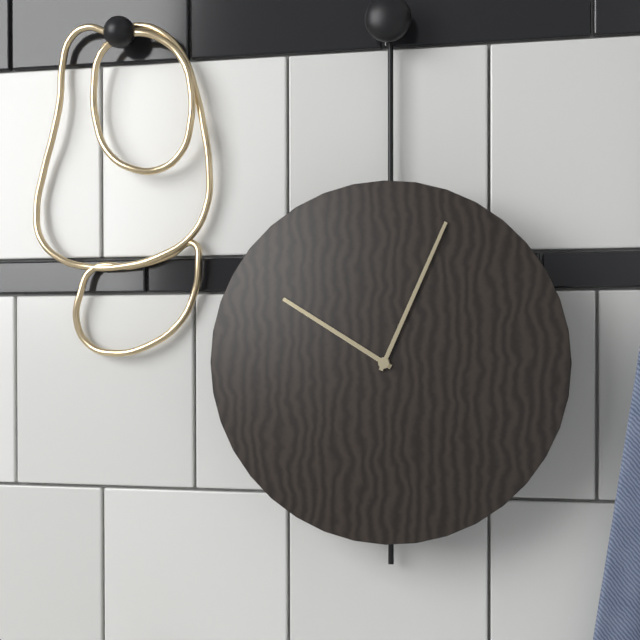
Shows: 10,04
